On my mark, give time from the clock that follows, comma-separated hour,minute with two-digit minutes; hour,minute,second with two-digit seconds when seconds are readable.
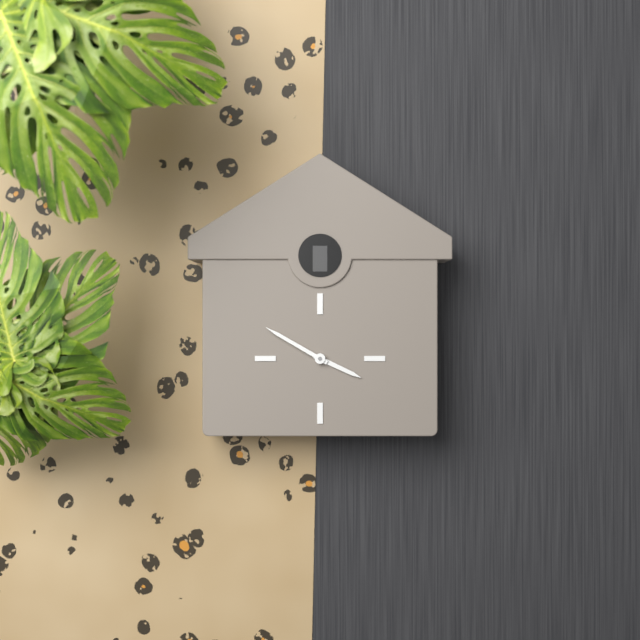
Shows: 3,50
